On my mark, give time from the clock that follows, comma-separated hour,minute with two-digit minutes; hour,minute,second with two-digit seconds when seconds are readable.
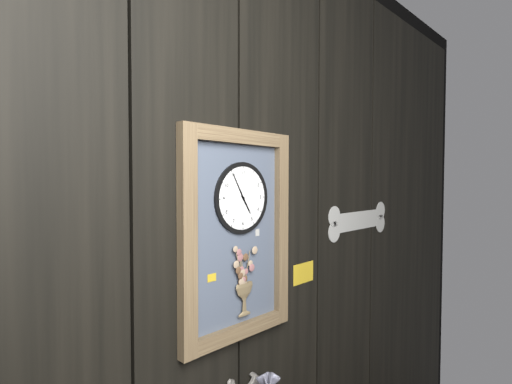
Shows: 4,55
